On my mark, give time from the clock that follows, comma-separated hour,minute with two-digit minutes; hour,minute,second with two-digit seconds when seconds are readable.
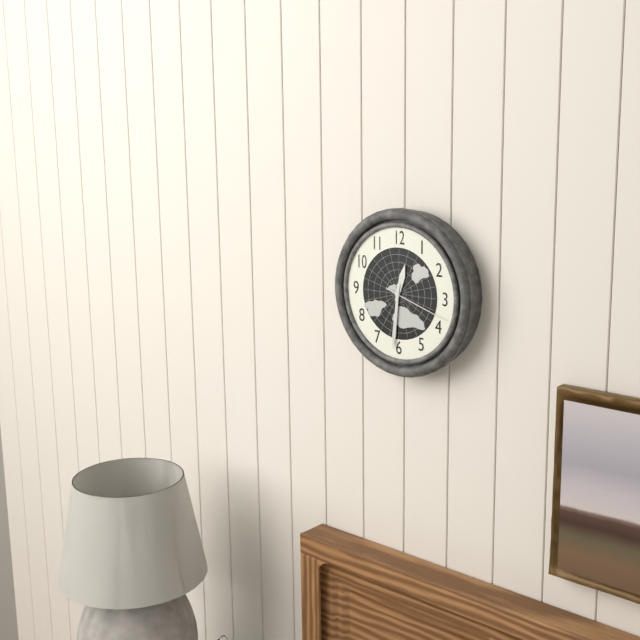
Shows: 12,31,18
